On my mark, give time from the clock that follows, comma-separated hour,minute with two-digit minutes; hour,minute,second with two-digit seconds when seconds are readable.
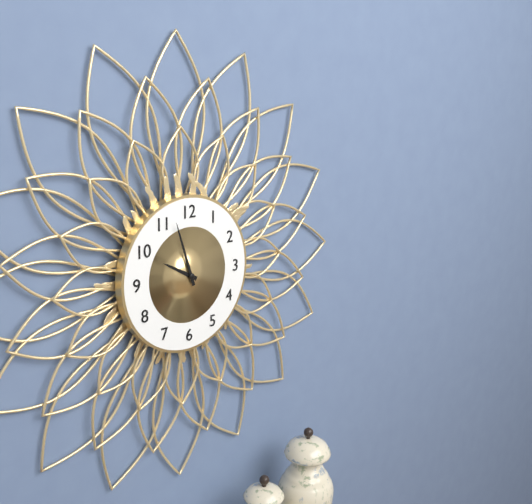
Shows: 9,57
